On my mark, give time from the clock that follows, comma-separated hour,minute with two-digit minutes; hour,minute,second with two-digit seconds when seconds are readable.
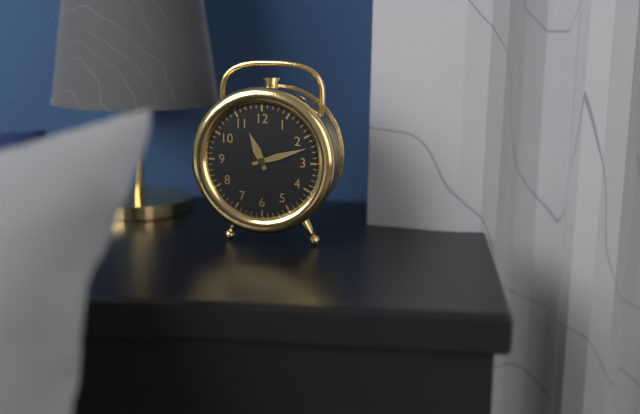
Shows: 11,12
